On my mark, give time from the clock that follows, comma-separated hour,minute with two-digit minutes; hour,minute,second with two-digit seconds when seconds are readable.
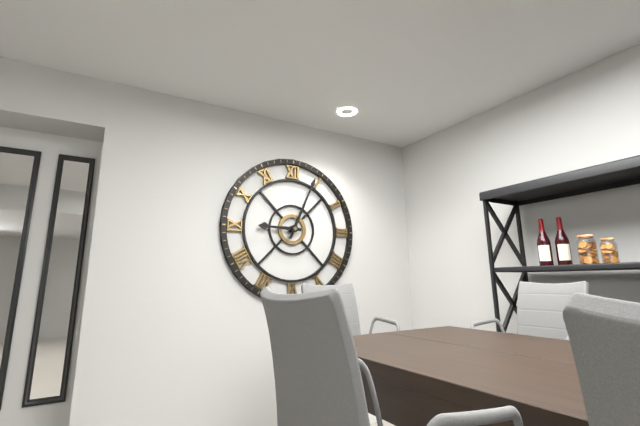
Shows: 9,04
